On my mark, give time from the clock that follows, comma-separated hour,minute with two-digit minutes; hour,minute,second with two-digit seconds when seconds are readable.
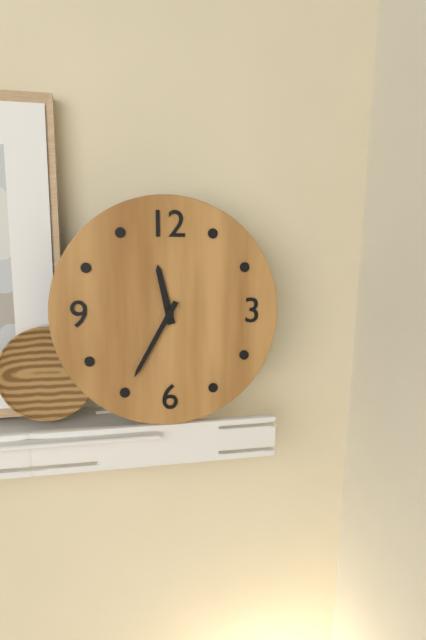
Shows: 11,35
